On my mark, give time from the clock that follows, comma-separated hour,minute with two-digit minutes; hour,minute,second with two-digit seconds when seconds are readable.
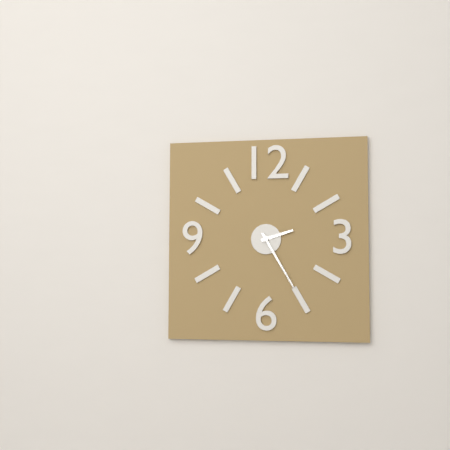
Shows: 2,25
